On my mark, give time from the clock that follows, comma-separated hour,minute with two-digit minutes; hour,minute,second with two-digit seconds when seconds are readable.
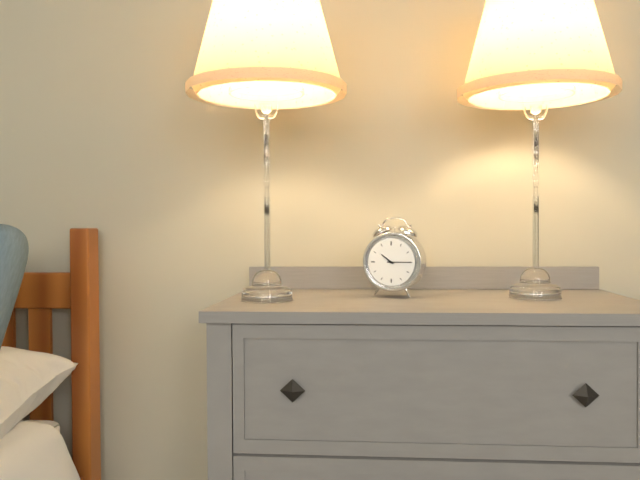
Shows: 10,15
